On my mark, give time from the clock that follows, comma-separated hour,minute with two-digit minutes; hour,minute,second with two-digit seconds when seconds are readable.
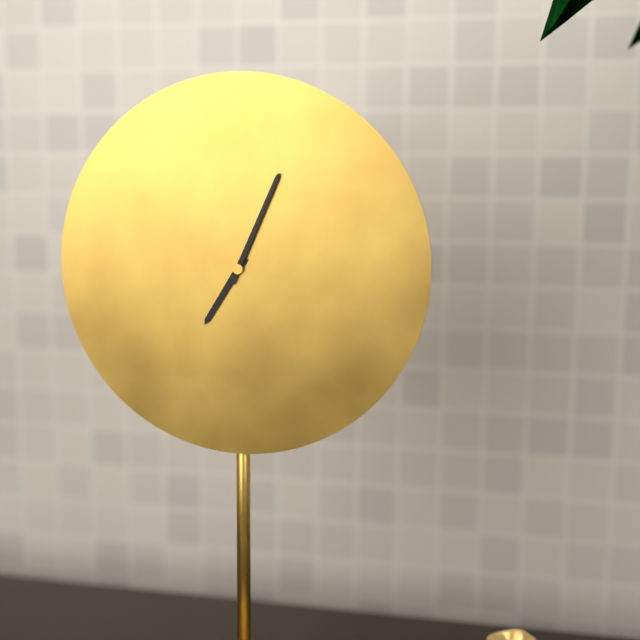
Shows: 7,04
